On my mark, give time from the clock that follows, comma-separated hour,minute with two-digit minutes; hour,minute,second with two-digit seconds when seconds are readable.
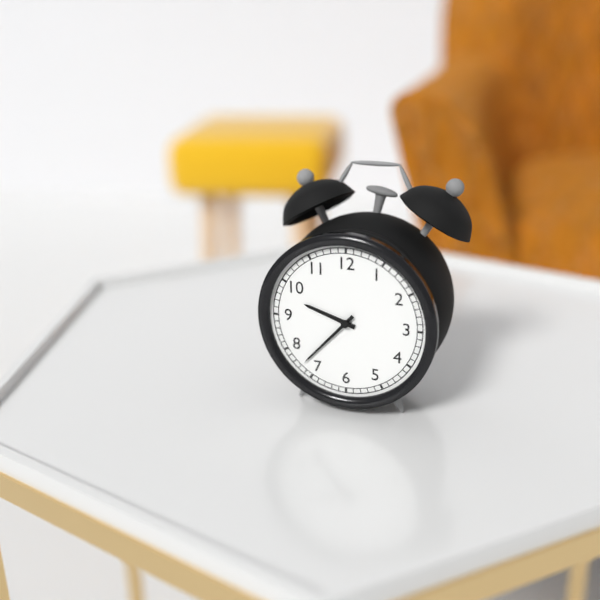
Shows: 9,37
